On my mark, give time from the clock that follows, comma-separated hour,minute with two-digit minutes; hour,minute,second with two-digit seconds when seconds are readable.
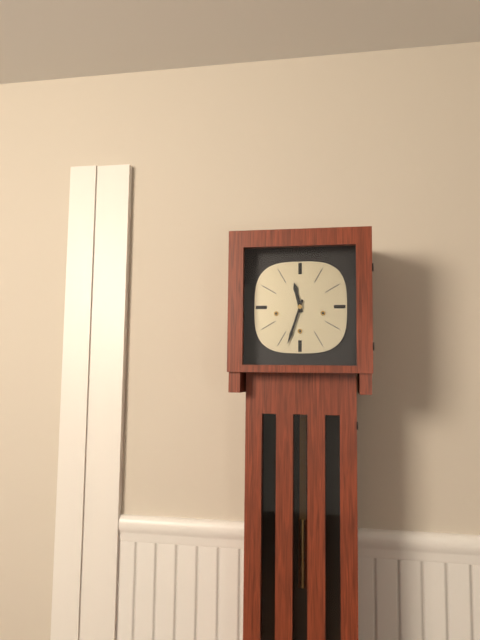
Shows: 11,33
